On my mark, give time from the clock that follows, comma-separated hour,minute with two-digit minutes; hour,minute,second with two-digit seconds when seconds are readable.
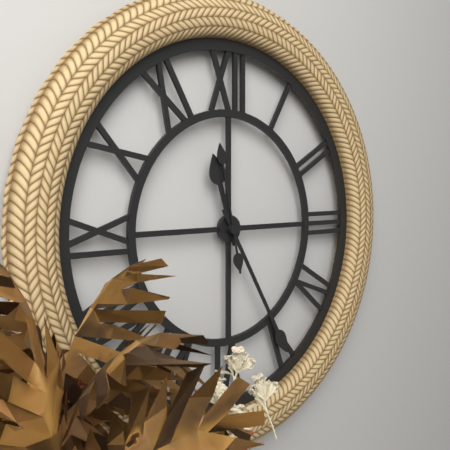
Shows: 11,25,58
